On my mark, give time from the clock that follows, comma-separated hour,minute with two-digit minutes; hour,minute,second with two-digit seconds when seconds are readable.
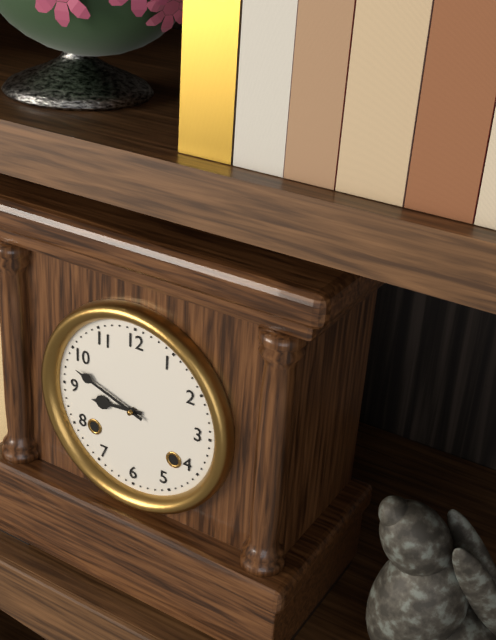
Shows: 8,48
